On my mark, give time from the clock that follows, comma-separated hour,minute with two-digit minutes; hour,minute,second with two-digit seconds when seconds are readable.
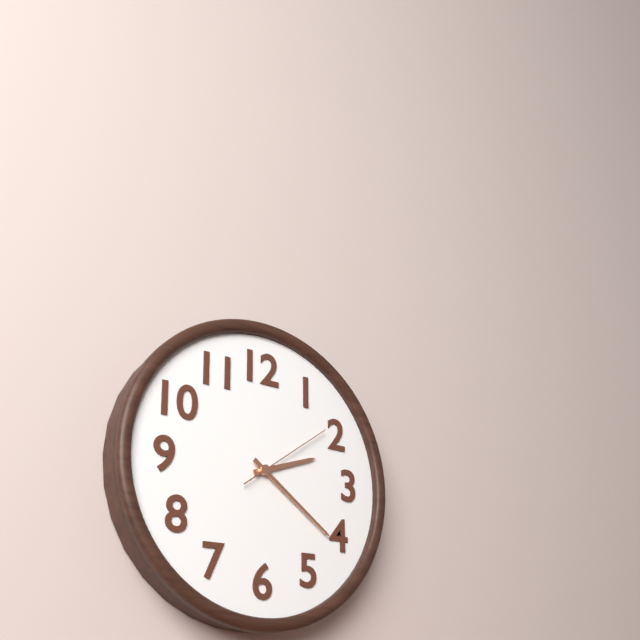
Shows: 2,21,09
